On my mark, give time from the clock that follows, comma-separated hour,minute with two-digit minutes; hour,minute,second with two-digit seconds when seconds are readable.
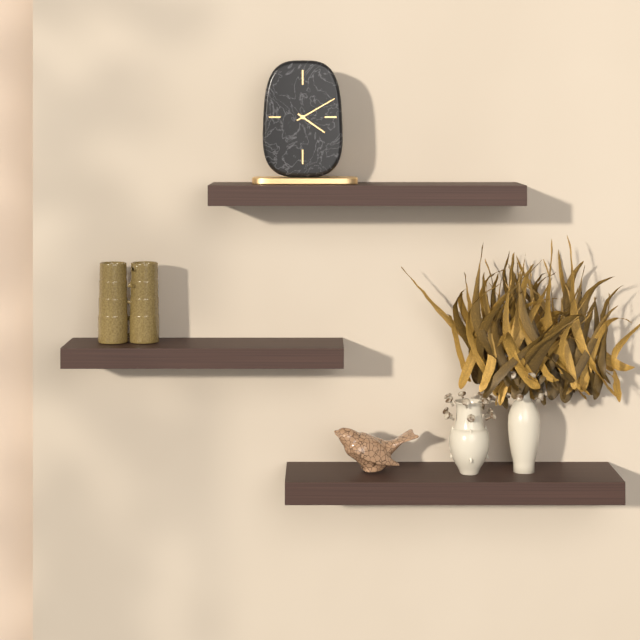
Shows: 4,10
